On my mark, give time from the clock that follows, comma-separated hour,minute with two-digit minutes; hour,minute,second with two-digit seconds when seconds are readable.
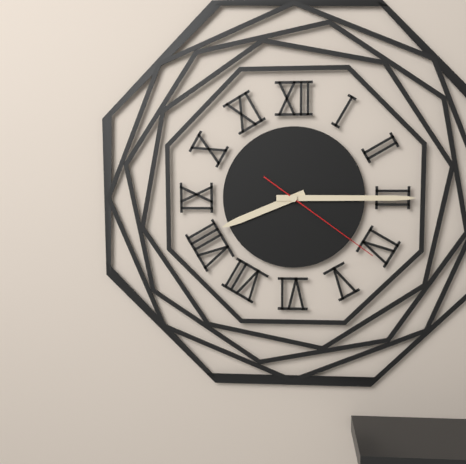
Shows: 8,15,21
